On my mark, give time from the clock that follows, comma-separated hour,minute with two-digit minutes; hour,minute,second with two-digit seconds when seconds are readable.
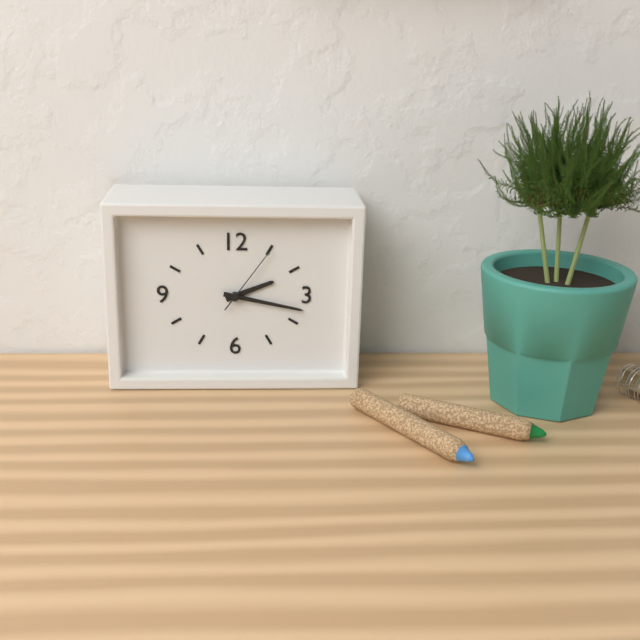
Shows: 2,17,06
